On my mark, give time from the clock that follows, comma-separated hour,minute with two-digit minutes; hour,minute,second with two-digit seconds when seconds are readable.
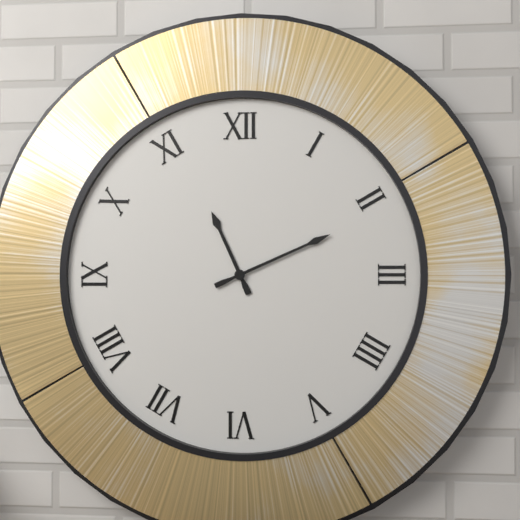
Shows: 11,11
